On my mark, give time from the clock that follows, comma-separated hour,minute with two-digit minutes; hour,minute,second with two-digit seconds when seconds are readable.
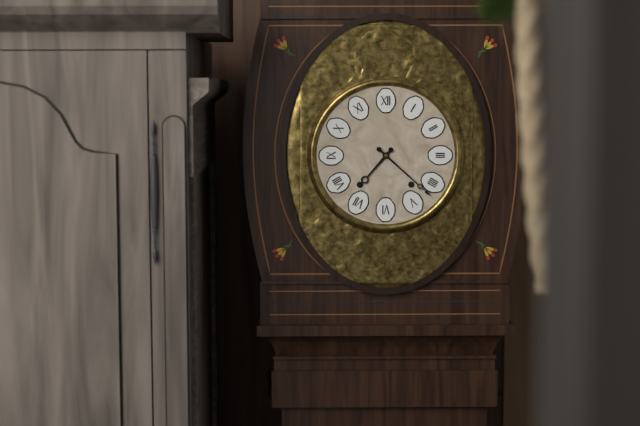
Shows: 7,22
